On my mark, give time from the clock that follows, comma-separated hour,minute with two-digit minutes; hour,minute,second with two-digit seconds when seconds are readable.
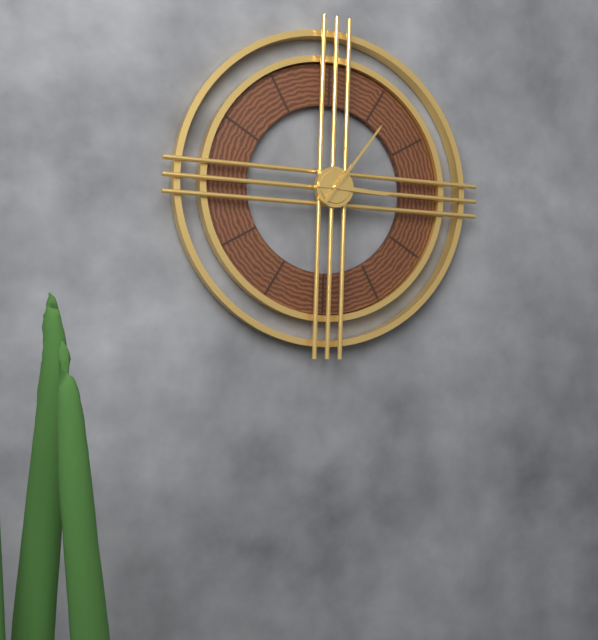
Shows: 3,06
